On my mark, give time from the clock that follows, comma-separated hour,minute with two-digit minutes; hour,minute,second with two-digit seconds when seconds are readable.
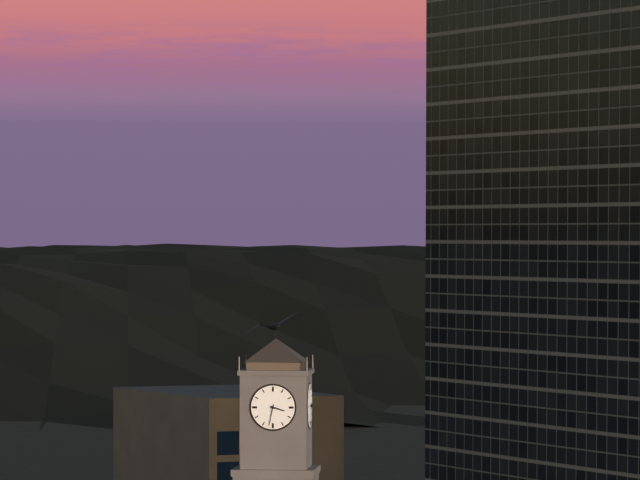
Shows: 3,32
